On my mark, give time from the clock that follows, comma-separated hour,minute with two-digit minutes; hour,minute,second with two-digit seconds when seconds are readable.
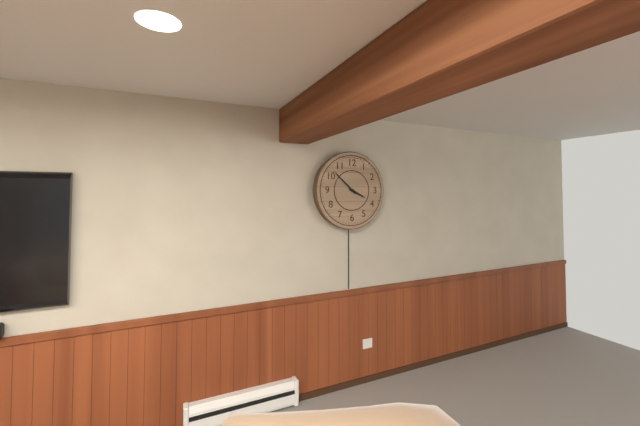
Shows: 3,52
